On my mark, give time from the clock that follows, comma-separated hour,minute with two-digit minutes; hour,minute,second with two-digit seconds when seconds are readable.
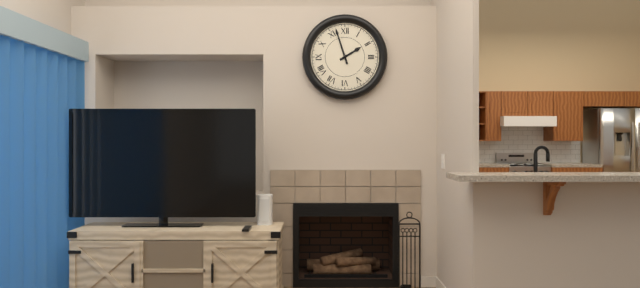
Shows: 1,57
